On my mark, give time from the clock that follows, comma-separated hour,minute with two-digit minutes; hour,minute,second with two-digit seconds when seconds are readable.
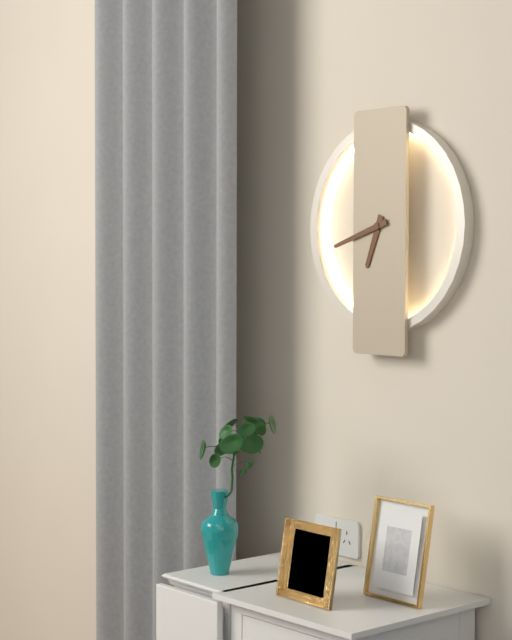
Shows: 6,42
